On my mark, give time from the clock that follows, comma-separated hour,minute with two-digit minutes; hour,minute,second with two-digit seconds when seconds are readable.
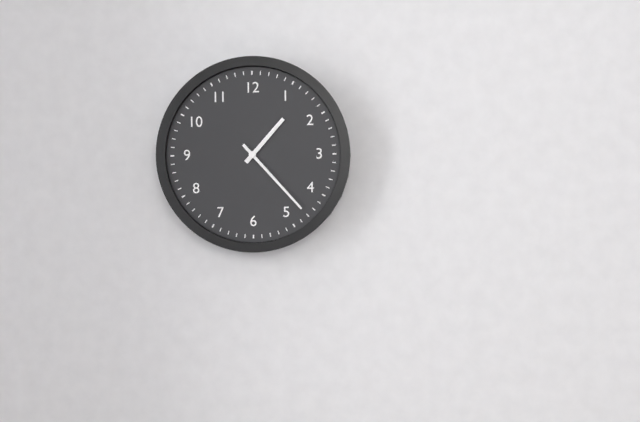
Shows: 1,23
